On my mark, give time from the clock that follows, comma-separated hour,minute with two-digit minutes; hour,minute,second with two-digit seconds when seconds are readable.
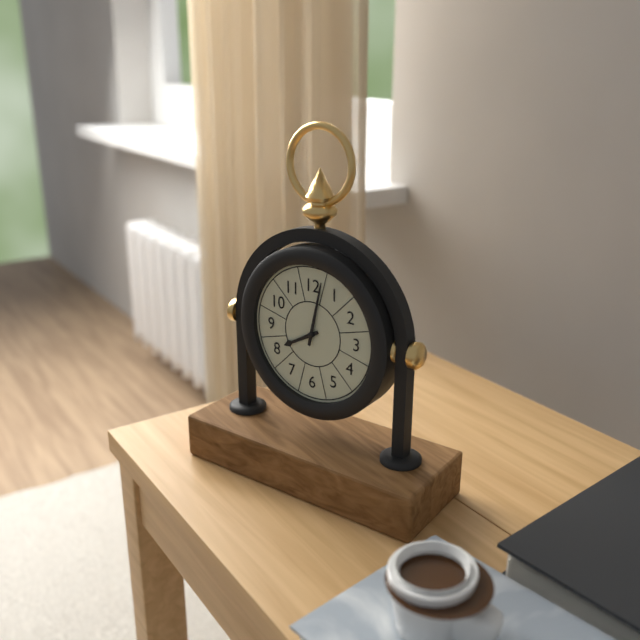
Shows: 8,02
